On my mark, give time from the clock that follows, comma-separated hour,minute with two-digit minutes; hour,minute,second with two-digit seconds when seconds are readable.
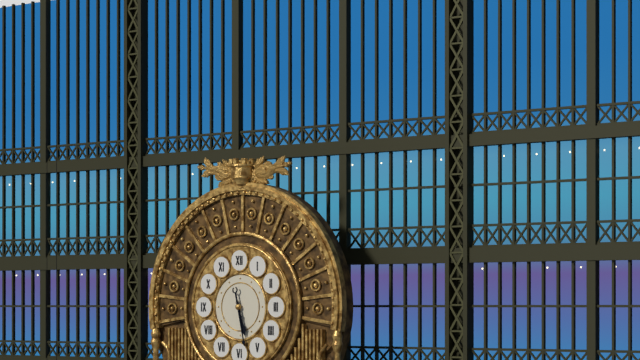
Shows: 5,28
